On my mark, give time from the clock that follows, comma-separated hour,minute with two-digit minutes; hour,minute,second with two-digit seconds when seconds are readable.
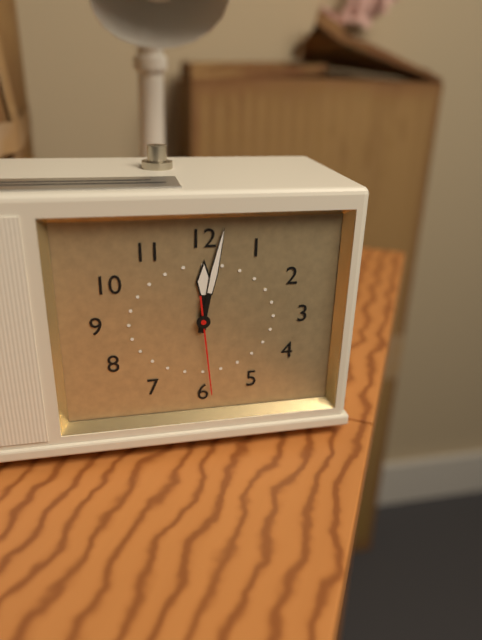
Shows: 12,02,29
